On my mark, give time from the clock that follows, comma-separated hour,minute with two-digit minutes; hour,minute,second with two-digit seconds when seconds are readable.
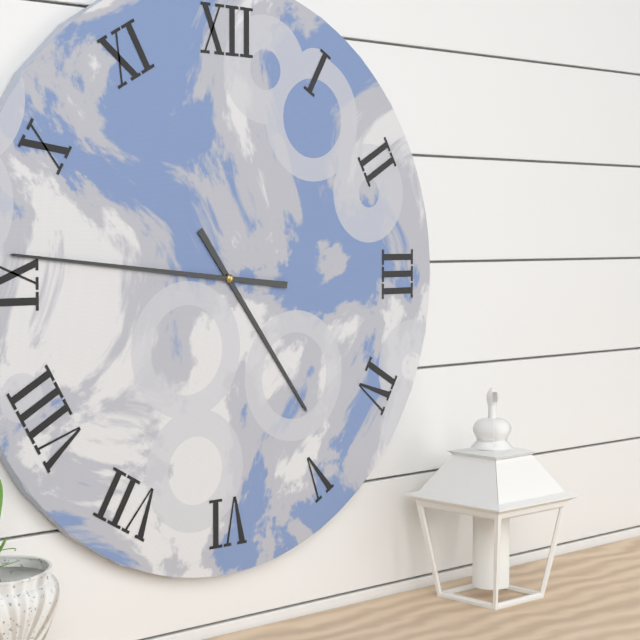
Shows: 4,46
